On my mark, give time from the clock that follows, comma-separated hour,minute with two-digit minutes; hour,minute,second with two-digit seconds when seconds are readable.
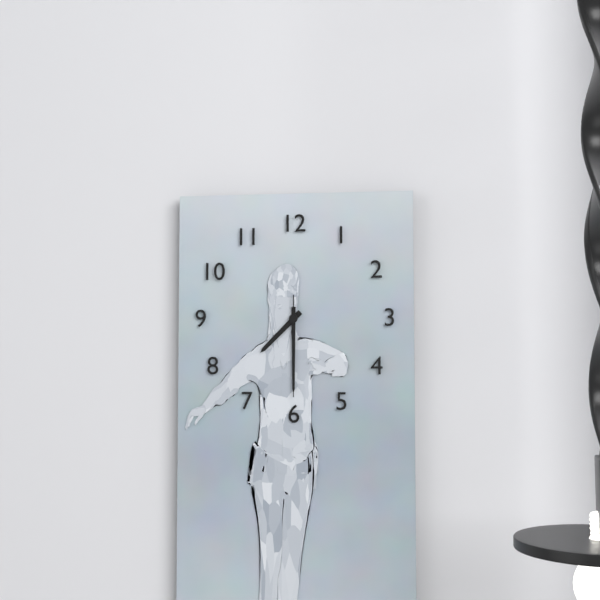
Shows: 7,30,30
